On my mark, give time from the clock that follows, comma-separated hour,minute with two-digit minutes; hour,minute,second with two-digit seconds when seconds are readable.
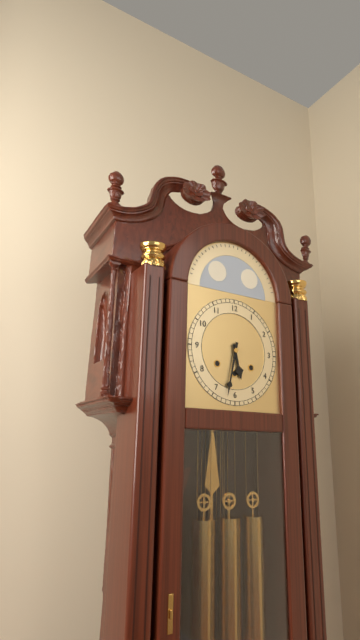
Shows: 5,32
